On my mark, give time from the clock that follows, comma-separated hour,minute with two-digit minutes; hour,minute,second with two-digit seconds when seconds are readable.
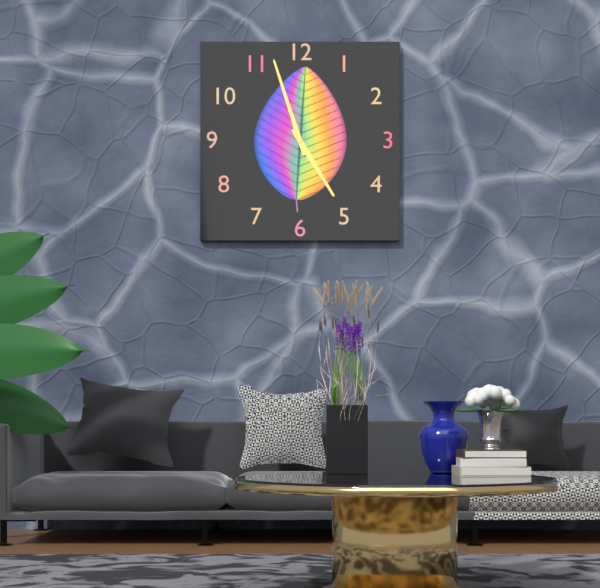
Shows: 4,57
